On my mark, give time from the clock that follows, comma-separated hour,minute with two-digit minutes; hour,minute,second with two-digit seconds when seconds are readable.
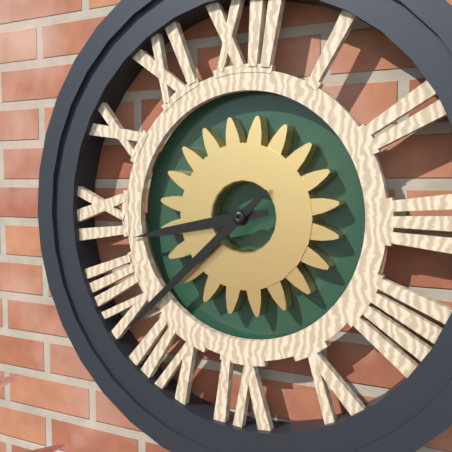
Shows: 8,38
